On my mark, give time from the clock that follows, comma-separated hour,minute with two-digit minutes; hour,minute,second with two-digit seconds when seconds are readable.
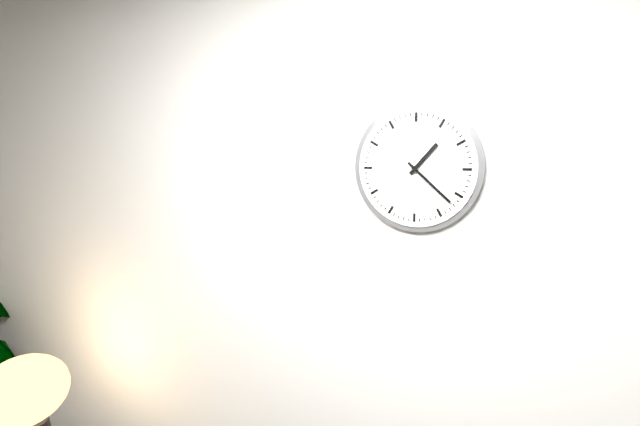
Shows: 1,22
